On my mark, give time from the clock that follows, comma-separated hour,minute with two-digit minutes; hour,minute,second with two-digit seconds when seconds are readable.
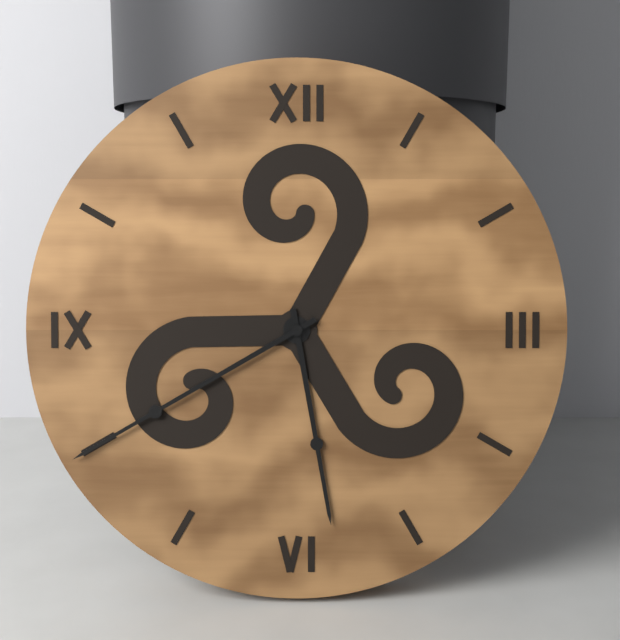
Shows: 5,40
